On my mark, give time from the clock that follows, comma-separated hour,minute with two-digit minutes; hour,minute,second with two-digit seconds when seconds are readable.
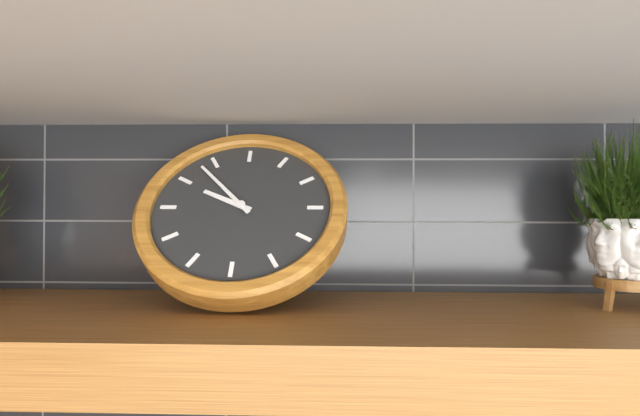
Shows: 9,53
